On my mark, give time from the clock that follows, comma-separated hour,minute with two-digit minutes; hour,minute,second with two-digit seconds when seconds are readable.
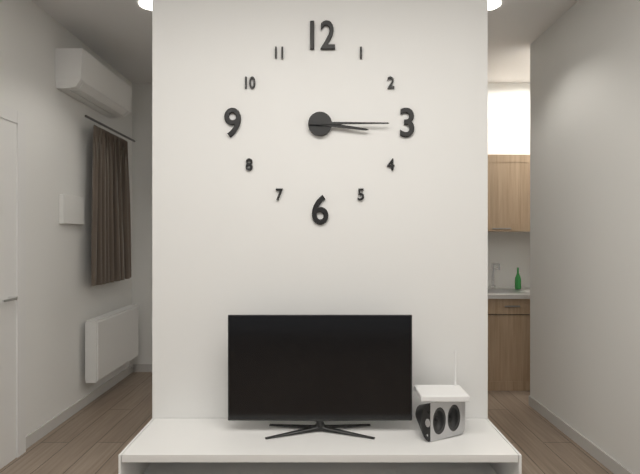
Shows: 3,15
